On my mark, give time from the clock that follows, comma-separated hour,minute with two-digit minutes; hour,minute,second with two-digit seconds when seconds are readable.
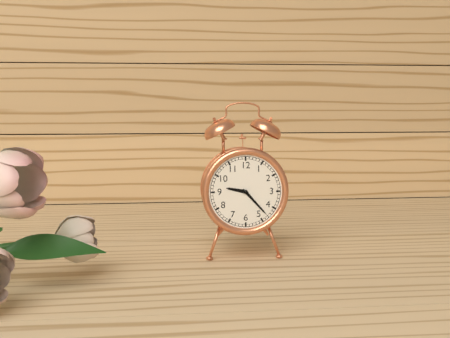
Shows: 9,23
